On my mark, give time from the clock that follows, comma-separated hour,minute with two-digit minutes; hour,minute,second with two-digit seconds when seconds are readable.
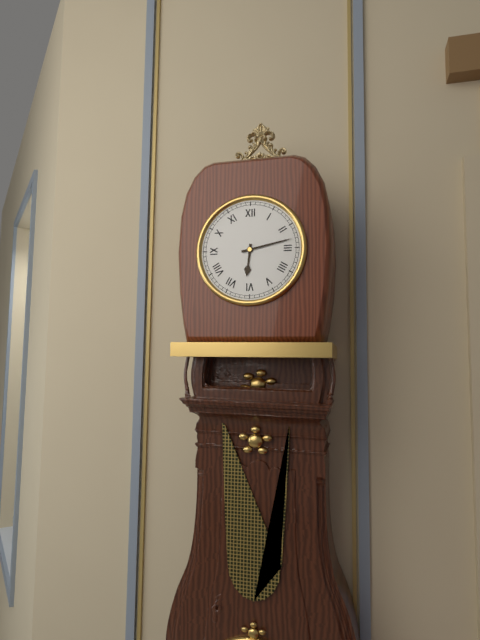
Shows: 6,13
